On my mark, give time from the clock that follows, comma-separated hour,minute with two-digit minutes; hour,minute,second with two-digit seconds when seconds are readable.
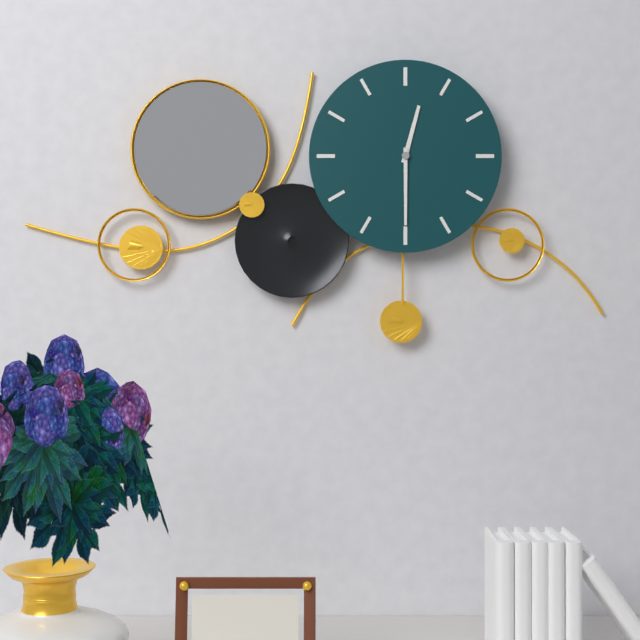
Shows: 12,30
